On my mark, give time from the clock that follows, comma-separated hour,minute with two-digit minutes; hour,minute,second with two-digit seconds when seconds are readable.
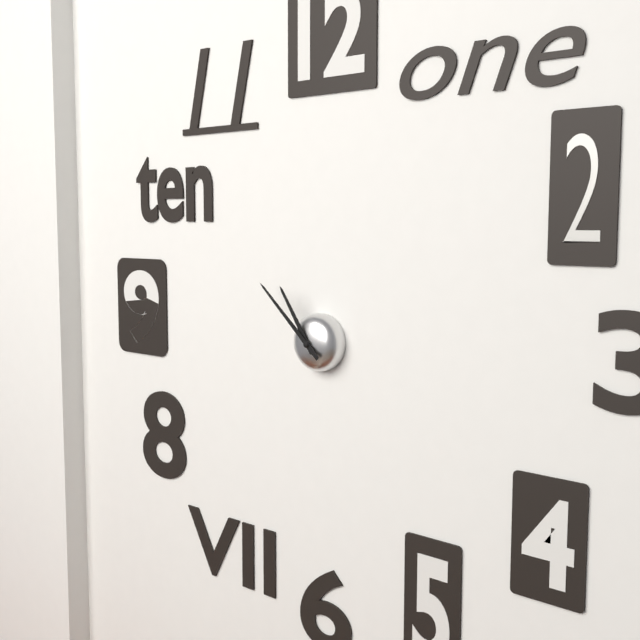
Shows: 10,52
